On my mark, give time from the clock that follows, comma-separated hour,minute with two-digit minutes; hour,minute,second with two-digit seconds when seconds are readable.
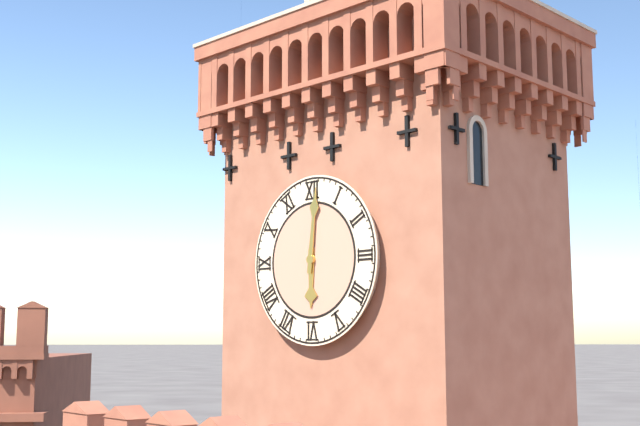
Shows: 6,01
